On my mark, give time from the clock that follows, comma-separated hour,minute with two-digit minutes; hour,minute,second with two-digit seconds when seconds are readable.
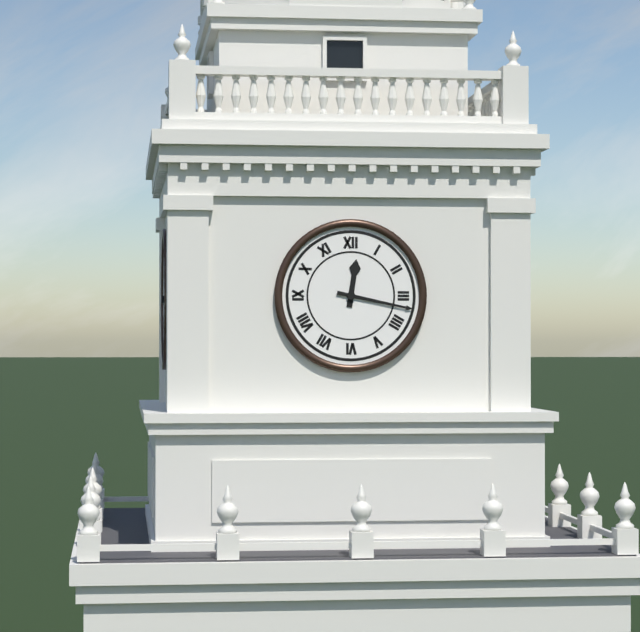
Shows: 12,17
